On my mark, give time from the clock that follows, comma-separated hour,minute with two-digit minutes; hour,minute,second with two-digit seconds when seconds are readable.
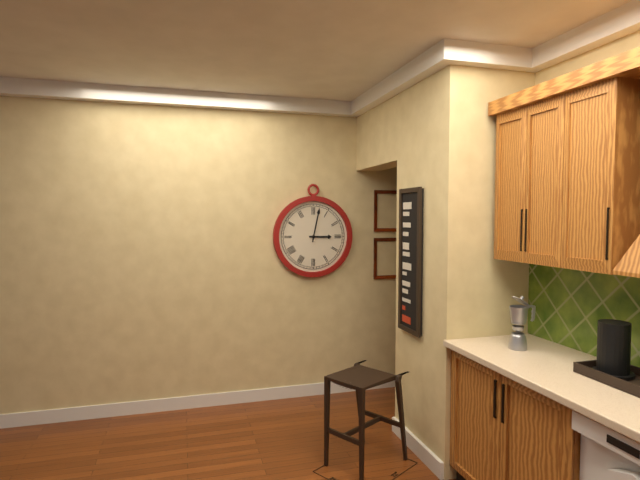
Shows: 3,02
